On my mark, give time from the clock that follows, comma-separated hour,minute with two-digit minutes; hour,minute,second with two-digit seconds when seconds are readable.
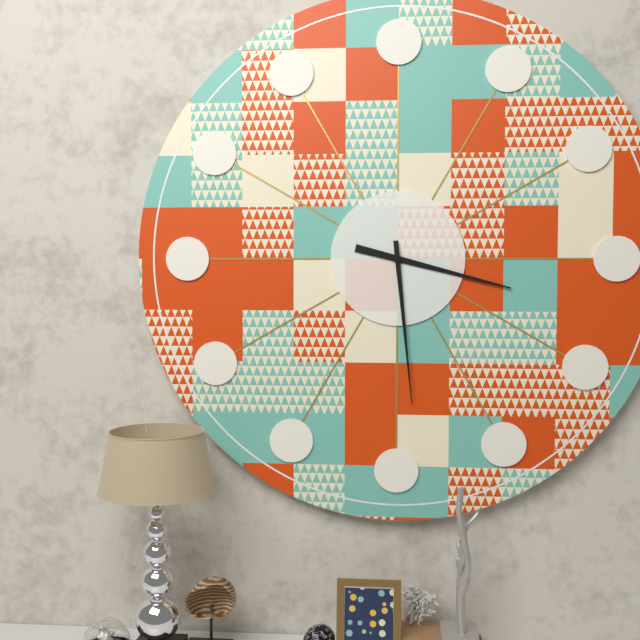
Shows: 3,29
